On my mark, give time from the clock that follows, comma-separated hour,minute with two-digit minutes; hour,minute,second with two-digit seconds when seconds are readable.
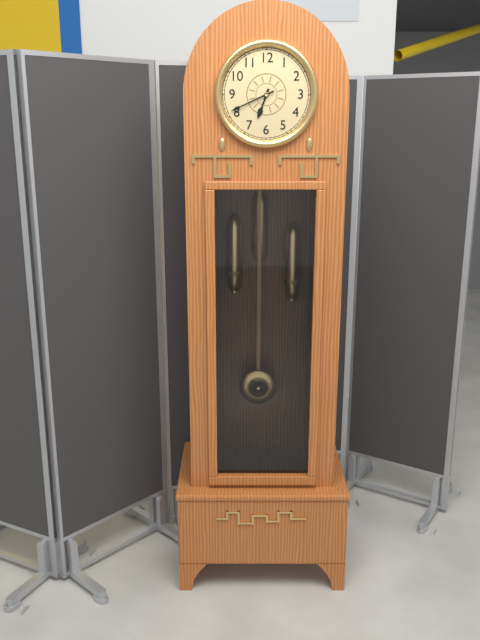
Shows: 6,41
